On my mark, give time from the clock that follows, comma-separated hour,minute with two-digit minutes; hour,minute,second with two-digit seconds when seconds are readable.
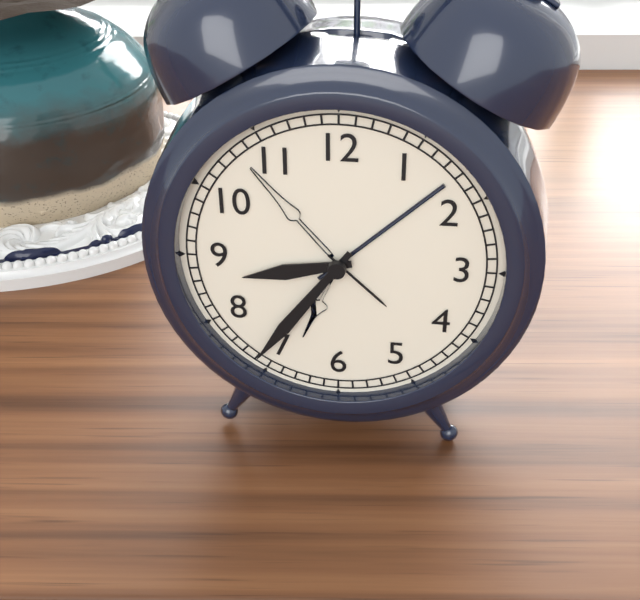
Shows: 8,36
